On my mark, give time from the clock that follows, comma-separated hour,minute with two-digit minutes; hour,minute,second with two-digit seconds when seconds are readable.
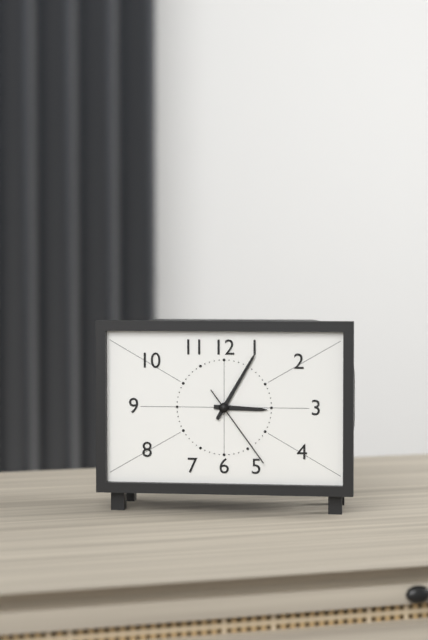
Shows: 3,05,24
